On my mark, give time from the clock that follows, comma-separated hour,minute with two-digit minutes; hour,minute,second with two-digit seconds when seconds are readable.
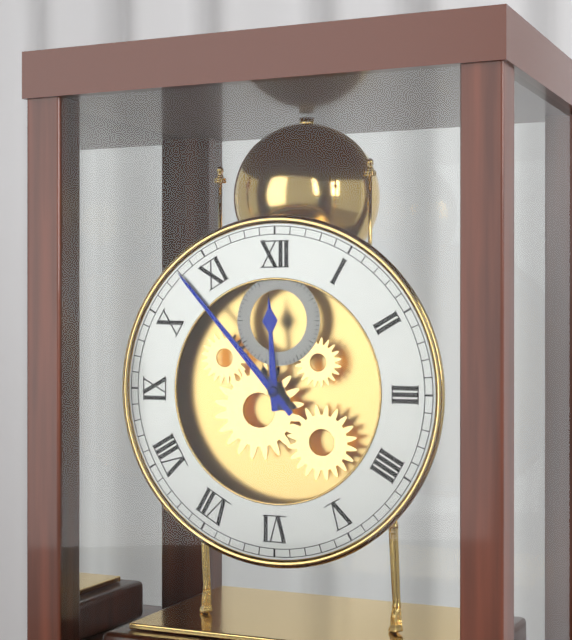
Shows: 11,53
